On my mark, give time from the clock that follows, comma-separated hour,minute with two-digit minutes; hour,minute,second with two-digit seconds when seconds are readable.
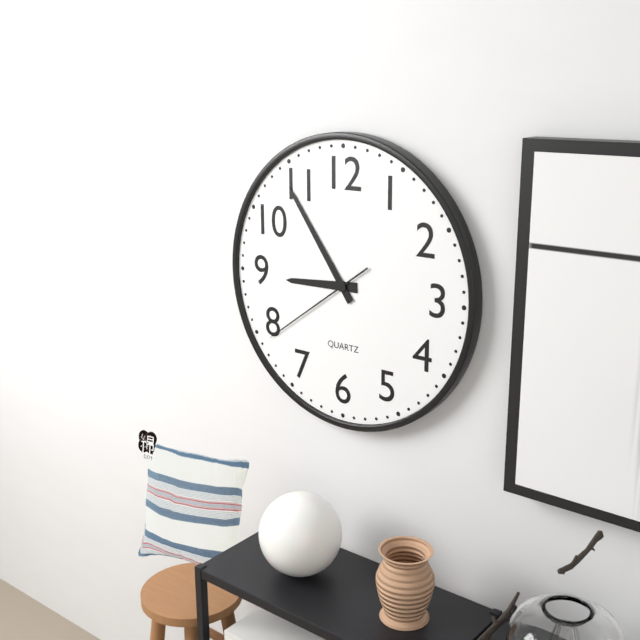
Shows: 8,54,39
